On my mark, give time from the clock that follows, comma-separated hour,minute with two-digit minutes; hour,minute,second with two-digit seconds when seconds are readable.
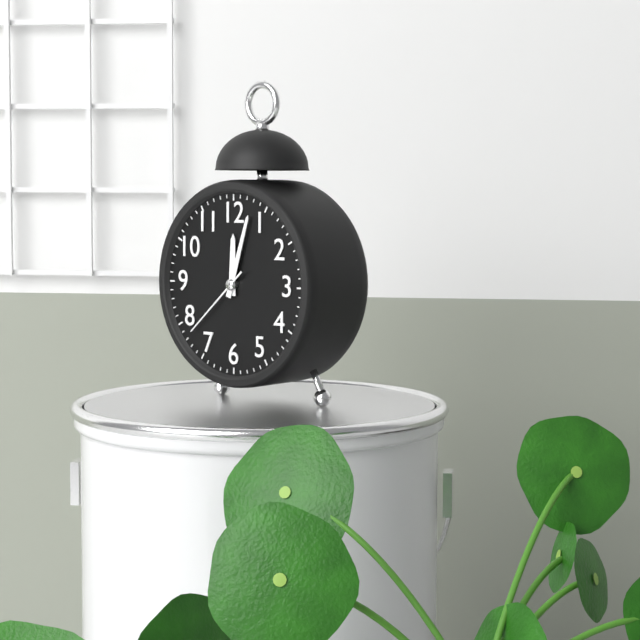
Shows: 12,03,38
